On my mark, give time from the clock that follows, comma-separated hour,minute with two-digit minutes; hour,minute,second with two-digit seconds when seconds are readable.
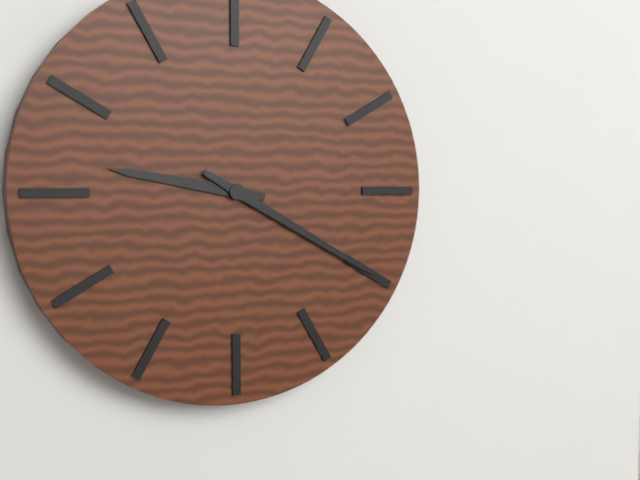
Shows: 9,20
